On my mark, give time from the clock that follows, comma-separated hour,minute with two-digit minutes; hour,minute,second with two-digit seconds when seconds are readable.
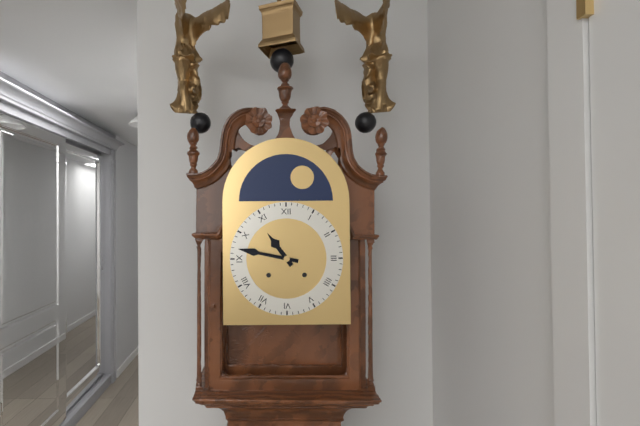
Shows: 10,47
